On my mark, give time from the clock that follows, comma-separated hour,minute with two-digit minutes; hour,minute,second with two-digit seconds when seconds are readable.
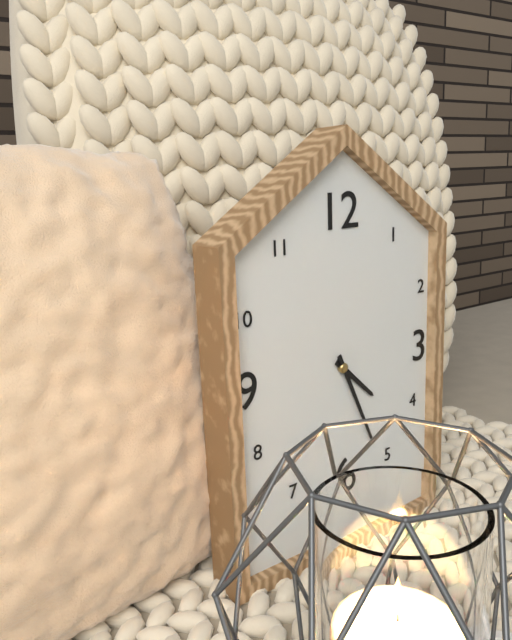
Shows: 4,26
